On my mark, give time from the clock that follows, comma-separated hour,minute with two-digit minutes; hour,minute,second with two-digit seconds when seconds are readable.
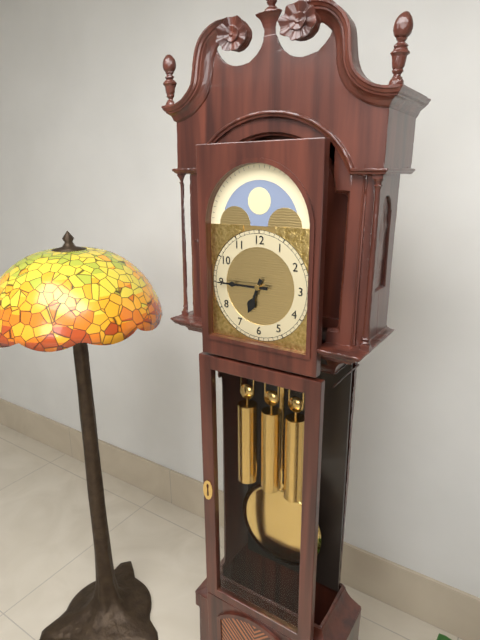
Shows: 6,45
